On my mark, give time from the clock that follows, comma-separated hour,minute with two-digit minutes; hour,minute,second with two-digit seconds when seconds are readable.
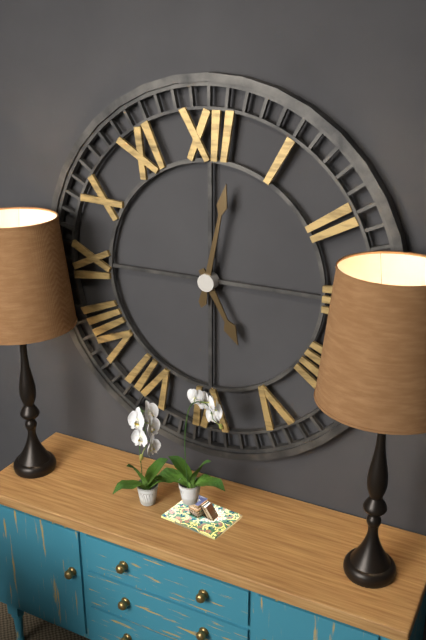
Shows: 5,02
